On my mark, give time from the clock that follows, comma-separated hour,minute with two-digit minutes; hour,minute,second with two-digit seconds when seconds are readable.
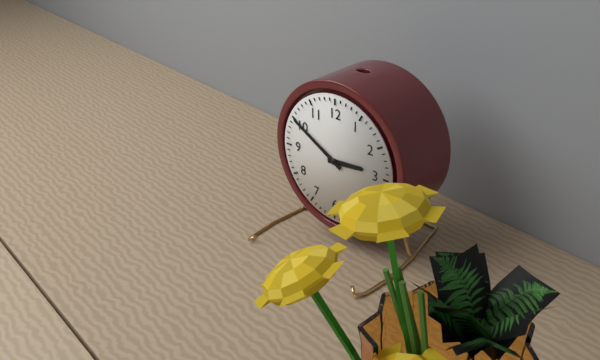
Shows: 2,50
